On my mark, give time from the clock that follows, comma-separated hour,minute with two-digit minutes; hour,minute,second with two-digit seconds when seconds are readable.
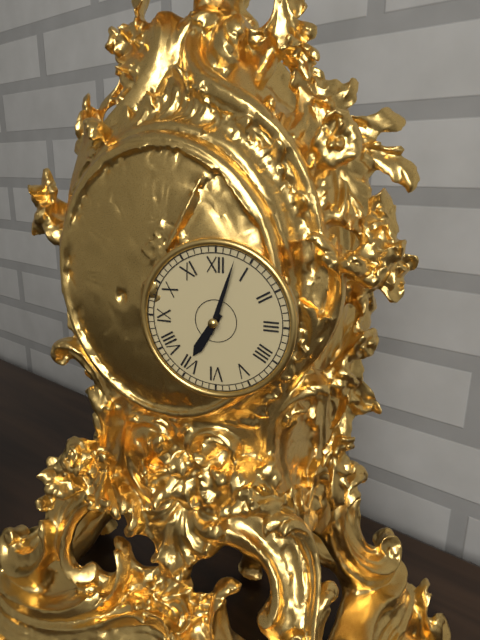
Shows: 7,03
